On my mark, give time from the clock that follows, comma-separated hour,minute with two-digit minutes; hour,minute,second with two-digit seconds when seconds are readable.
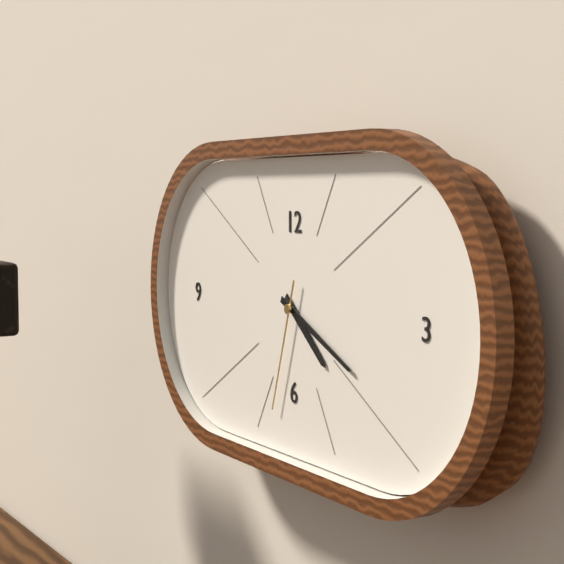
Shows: 4,19,33
